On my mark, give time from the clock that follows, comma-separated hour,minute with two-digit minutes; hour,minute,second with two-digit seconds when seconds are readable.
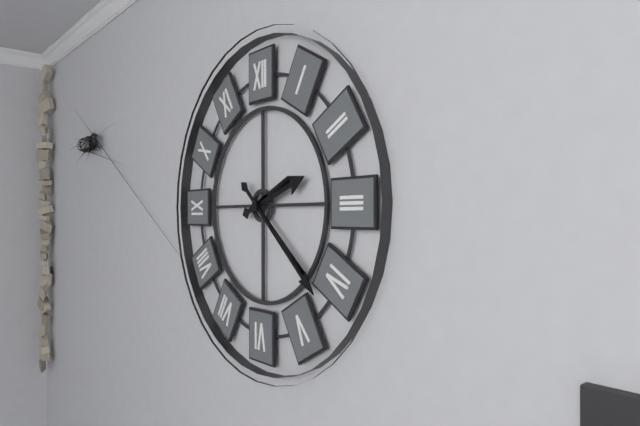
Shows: 2,22
